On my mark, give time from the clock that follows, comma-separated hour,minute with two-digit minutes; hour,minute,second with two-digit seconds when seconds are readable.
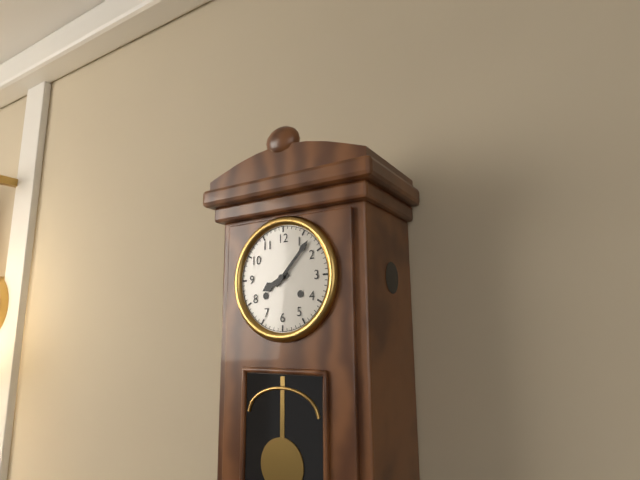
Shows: 8,07
